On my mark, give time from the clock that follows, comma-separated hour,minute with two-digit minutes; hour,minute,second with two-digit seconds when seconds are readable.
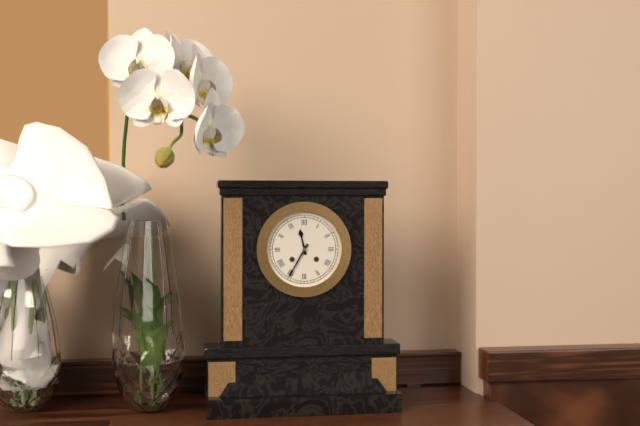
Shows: 11,35
